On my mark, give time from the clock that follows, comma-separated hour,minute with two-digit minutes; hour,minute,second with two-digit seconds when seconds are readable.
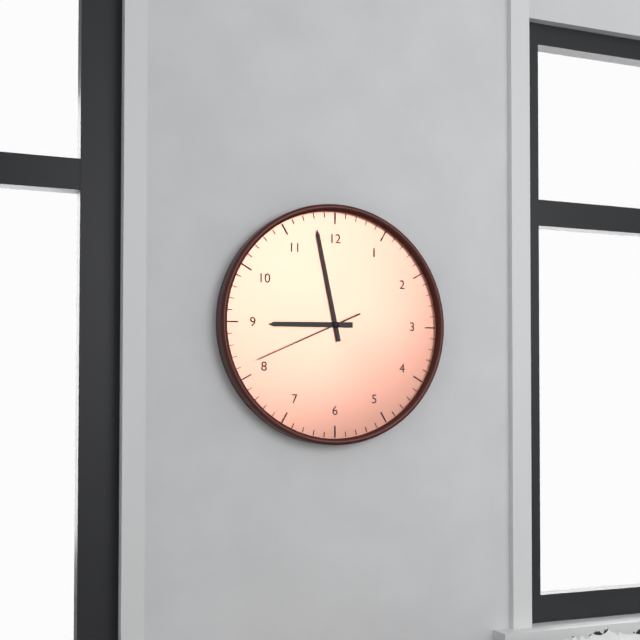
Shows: 8,58,41
